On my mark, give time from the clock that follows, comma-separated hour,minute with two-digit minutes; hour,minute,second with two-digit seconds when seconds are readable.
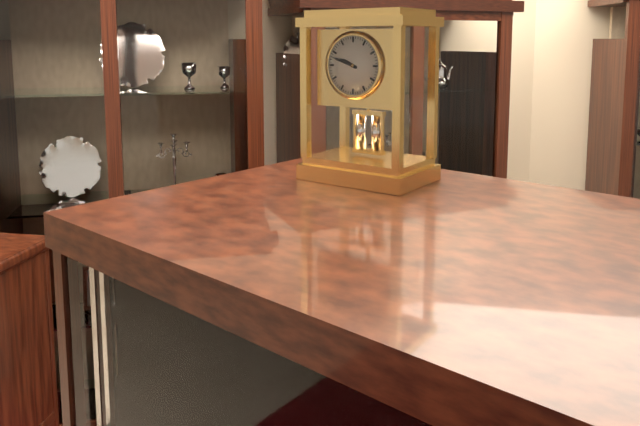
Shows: 9,48
